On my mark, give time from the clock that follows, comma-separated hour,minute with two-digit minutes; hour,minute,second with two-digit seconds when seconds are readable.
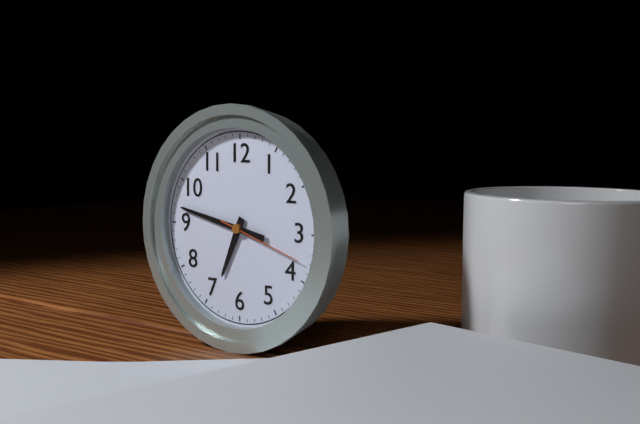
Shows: 6,47,18
